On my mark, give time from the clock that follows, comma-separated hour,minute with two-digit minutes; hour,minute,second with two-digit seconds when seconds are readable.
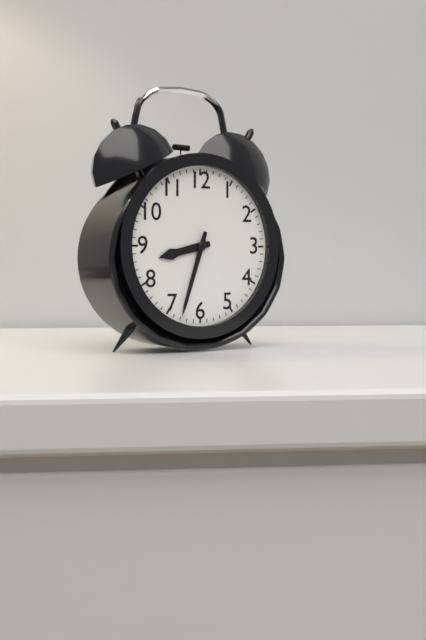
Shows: 8,33
